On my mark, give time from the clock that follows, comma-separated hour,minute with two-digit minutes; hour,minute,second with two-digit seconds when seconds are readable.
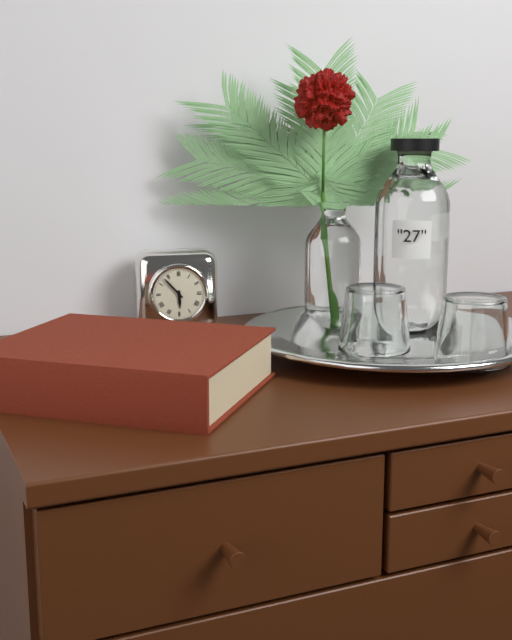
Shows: 5,53
